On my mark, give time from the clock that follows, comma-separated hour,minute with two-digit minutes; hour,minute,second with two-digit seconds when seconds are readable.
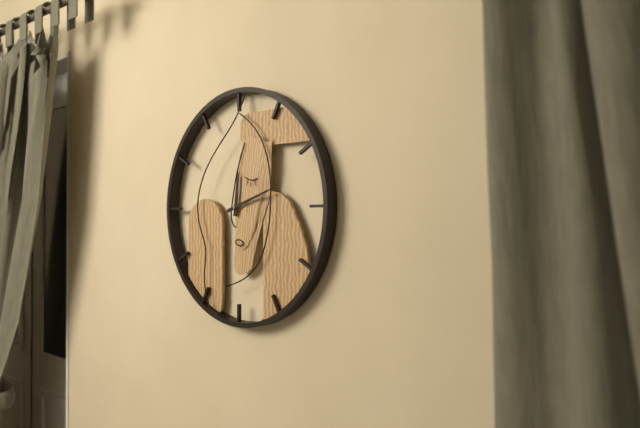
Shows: 12,12
